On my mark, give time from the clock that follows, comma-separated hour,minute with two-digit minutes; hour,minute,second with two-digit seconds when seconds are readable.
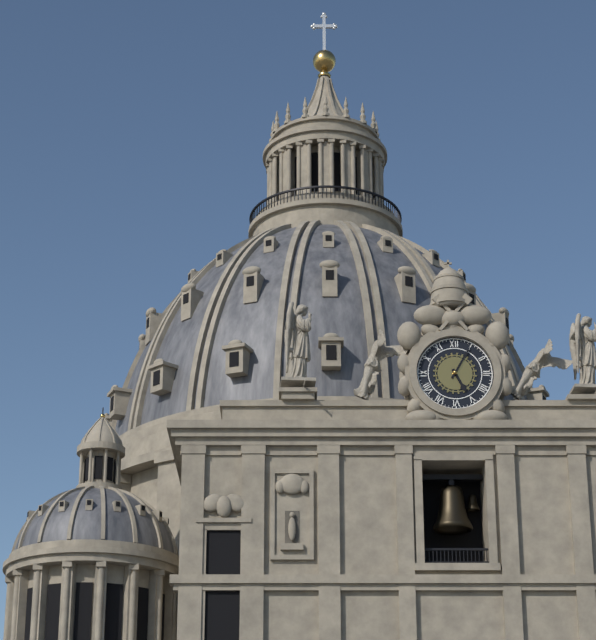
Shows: 5,05
